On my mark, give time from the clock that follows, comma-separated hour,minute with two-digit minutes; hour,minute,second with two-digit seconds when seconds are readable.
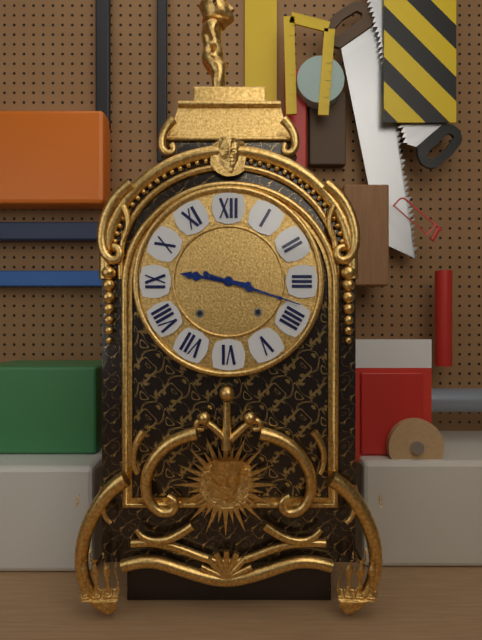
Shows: 9,18
